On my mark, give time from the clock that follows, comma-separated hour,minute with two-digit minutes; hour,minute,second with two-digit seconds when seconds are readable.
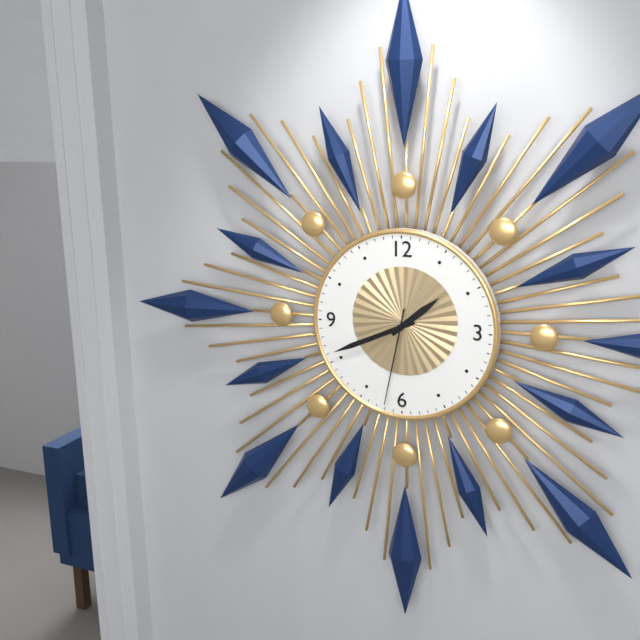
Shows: 1,41,32
